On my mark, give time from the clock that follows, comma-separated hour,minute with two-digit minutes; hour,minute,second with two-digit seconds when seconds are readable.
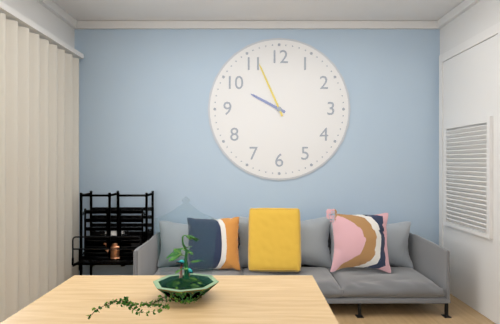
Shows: 9,56
